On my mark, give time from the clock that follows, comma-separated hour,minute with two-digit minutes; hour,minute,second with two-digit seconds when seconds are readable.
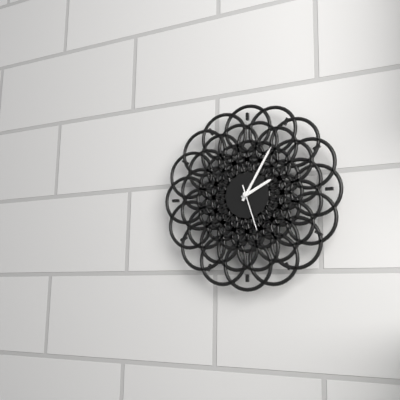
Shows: 2,05
